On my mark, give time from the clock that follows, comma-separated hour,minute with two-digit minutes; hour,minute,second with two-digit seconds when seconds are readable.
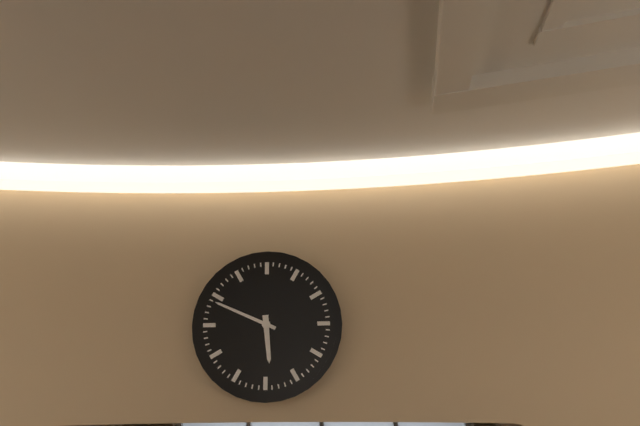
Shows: 5,49
